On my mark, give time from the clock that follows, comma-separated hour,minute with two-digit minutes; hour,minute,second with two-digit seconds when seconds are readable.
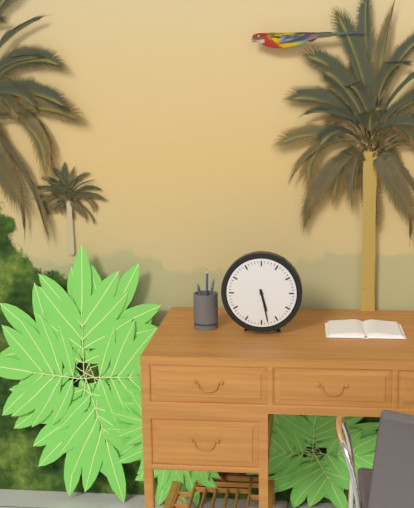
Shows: 5,28
